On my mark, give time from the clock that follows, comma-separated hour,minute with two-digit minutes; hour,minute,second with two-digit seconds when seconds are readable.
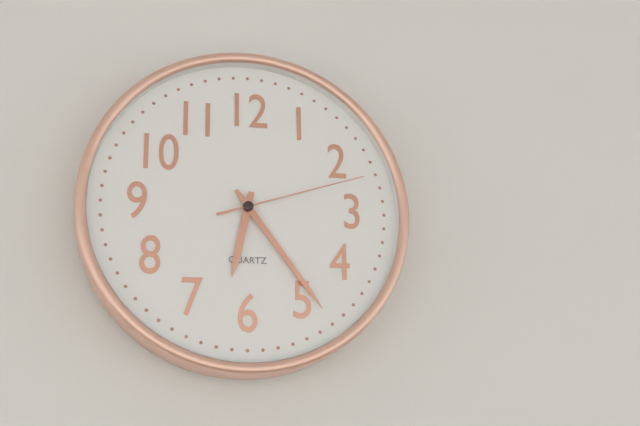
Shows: 6,24,12
